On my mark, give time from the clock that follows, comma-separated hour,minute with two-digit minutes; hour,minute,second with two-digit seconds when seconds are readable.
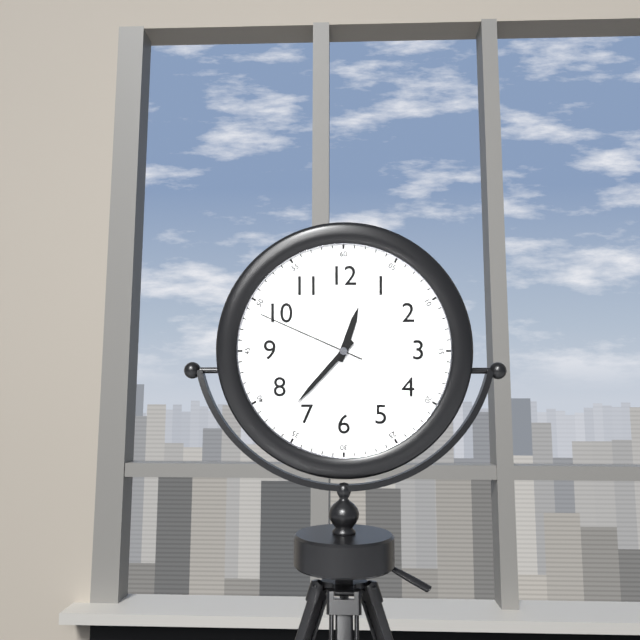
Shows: 12,37,49
